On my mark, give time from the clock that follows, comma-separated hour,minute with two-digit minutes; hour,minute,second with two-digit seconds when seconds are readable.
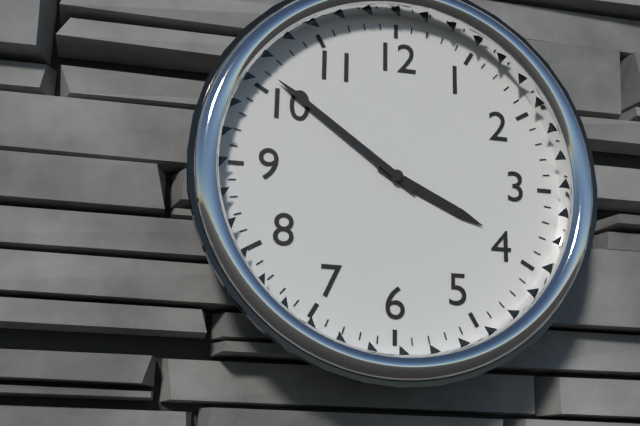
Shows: 3,51
